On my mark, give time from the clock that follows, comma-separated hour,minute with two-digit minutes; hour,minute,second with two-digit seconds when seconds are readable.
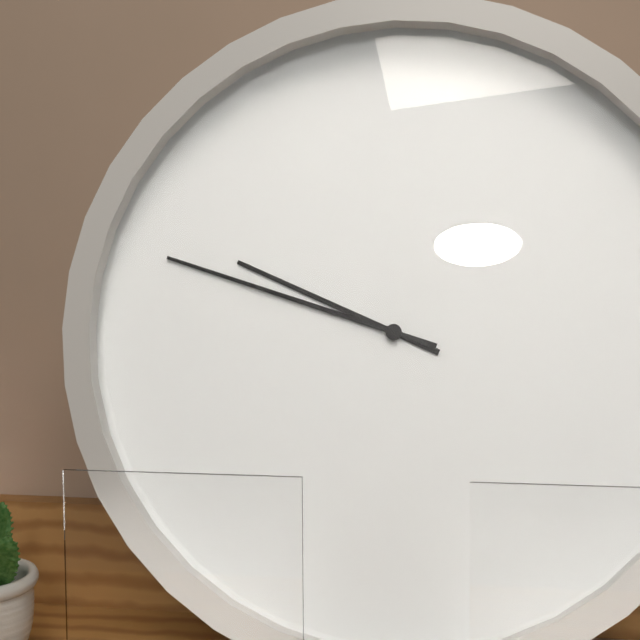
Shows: 9,48
